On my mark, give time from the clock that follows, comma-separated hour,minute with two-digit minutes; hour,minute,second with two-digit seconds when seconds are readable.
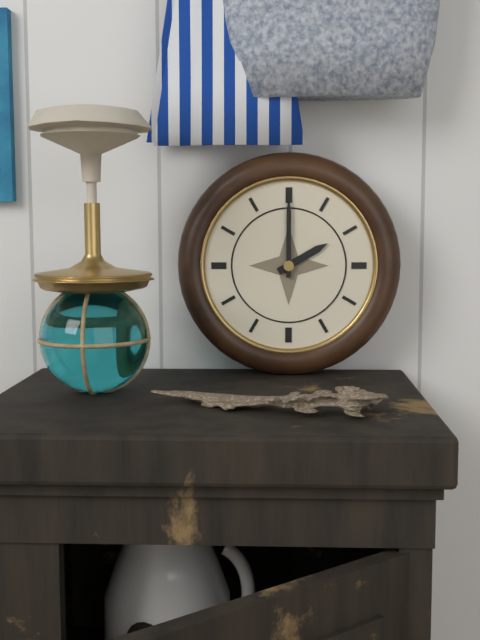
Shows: 2,00
